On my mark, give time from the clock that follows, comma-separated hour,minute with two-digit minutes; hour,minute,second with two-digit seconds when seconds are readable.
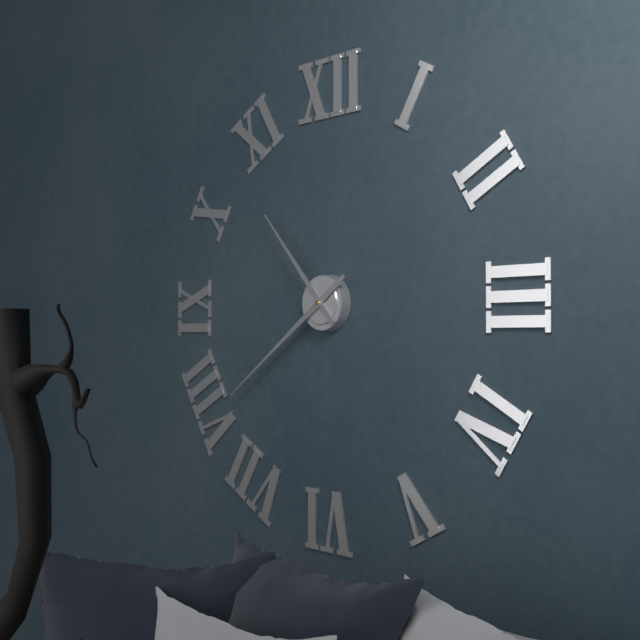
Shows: 10,39
